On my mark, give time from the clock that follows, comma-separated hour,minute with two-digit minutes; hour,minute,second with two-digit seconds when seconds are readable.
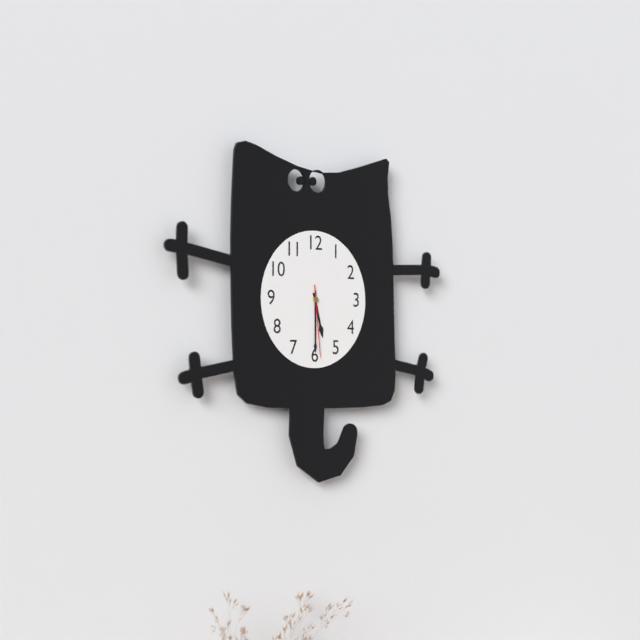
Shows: 5,30,29
